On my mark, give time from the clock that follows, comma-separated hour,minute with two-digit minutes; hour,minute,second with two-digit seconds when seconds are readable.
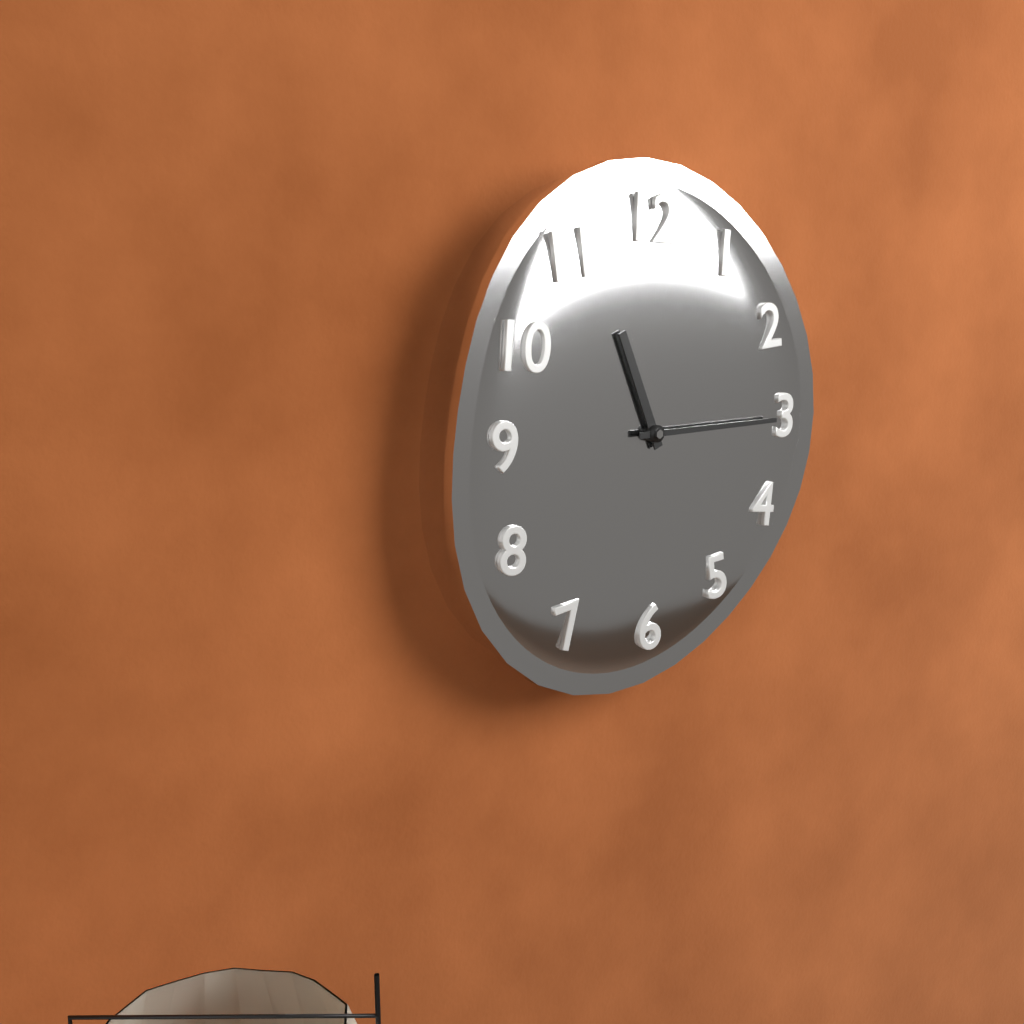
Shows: 11,15
